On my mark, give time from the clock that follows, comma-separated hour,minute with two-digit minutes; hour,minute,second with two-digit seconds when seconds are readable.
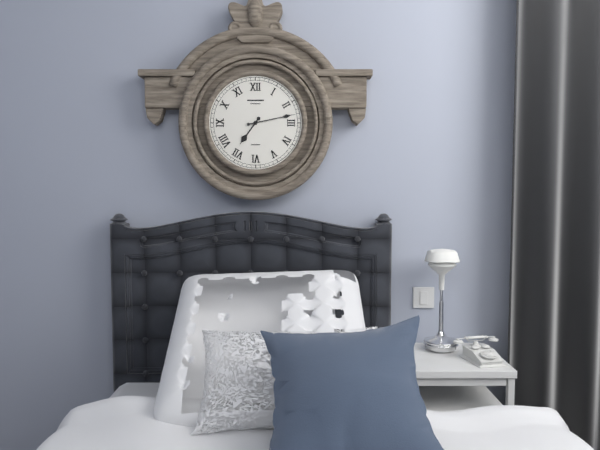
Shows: 7,13
